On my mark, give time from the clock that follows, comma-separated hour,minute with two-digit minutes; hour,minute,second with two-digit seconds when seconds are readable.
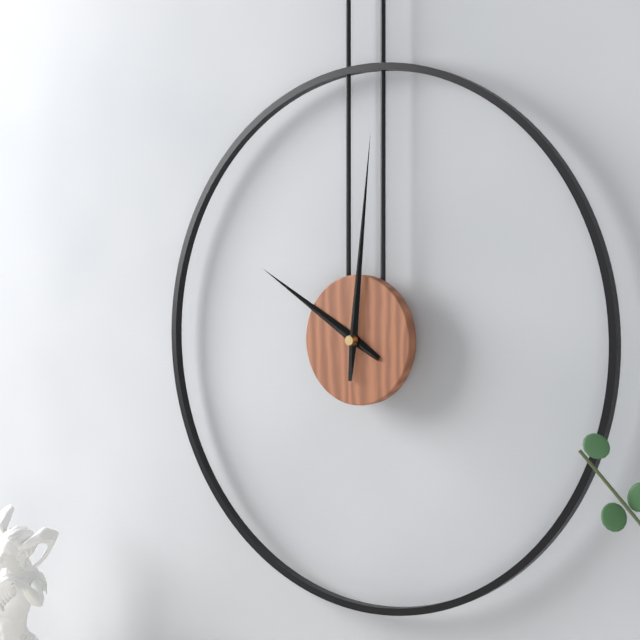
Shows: 10,01
